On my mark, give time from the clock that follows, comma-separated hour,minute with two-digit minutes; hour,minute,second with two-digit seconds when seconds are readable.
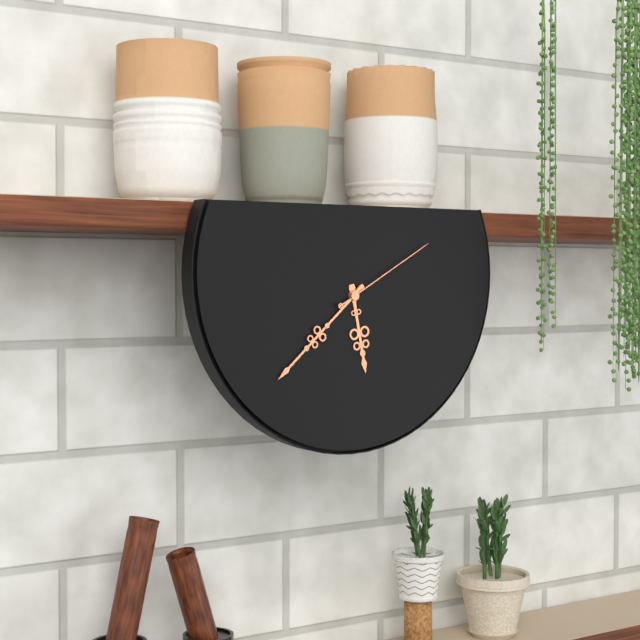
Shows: 5,38,10
